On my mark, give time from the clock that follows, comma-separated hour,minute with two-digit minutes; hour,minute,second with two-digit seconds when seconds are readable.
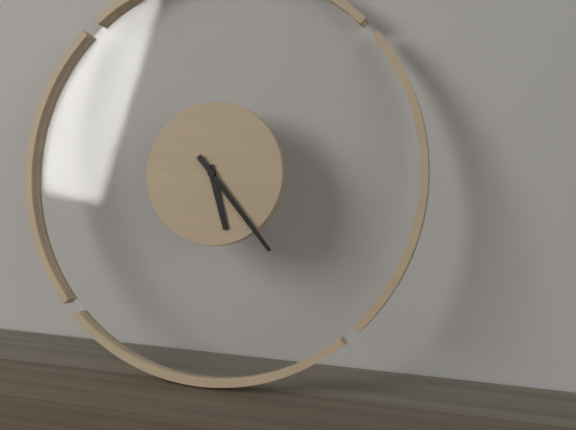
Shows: 5,23
